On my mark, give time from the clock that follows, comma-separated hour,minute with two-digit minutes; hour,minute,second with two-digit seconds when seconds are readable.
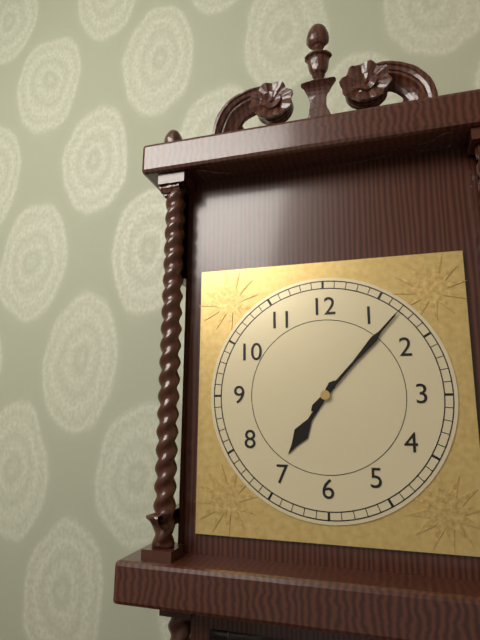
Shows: 7,07
